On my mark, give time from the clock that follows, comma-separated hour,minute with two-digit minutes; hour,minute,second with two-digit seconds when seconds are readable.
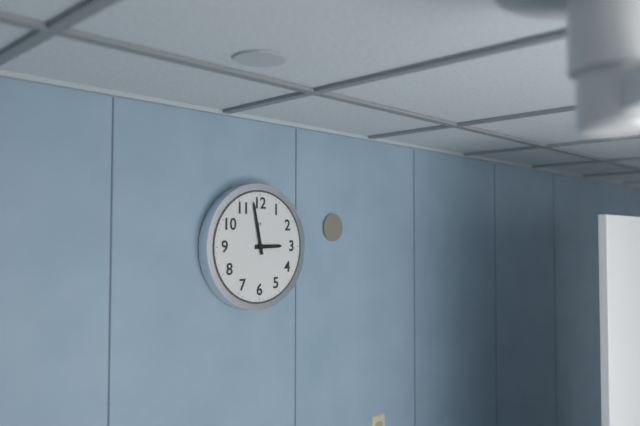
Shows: 2,58
